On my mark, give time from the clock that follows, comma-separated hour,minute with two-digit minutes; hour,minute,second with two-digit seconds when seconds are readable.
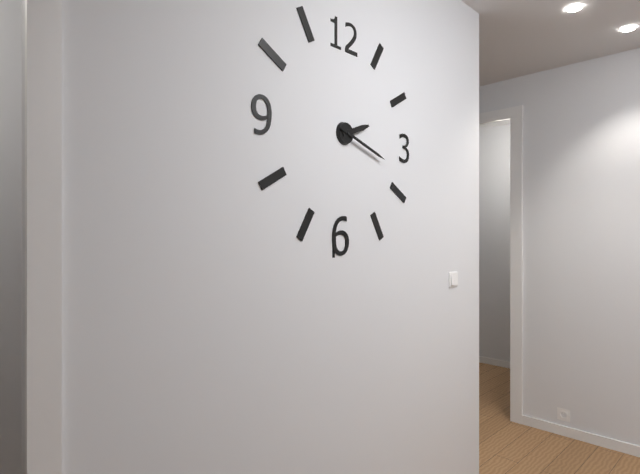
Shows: 2,18
